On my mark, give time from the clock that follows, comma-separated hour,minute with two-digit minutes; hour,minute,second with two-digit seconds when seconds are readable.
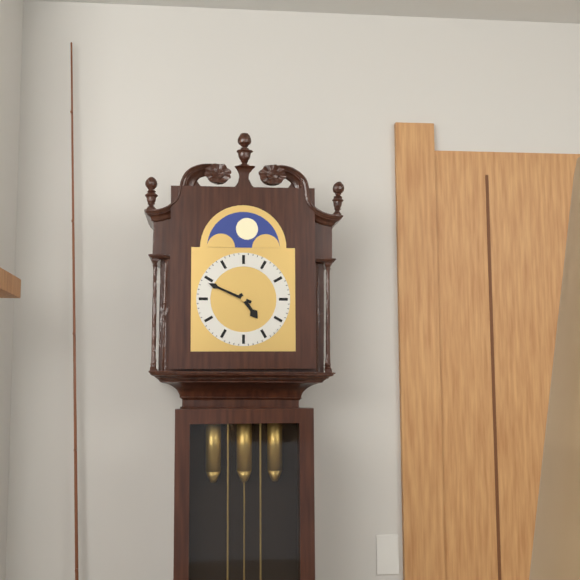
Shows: 4,49
